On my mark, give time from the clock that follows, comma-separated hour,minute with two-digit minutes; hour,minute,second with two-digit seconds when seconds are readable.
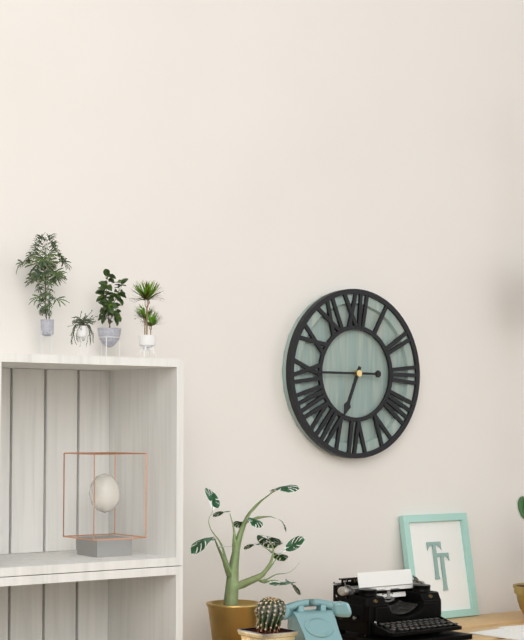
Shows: 6,45
